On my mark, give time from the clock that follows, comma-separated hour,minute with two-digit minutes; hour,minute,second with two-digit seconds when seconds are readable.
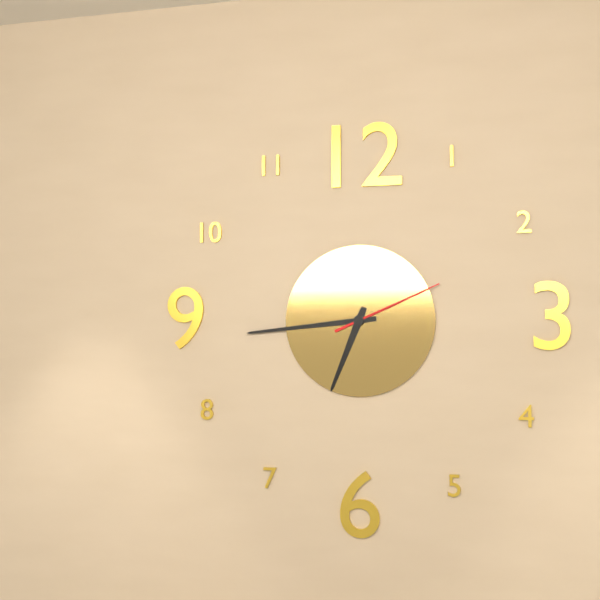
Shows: 6,44,11
